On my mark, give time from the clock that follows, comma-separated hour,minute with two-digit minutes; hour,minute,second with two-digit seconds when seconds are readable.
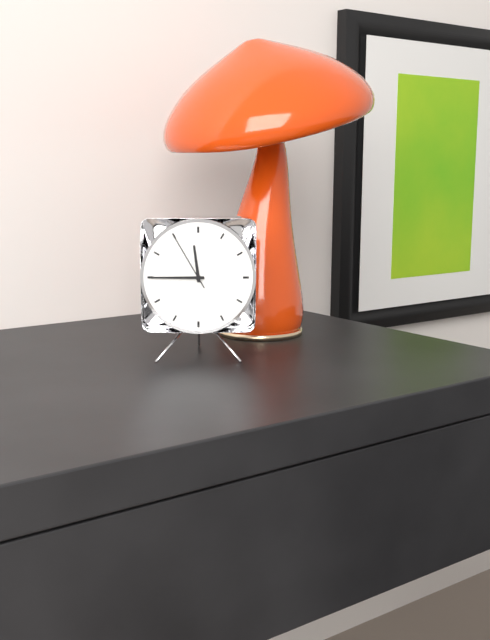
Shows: 11,45,55
